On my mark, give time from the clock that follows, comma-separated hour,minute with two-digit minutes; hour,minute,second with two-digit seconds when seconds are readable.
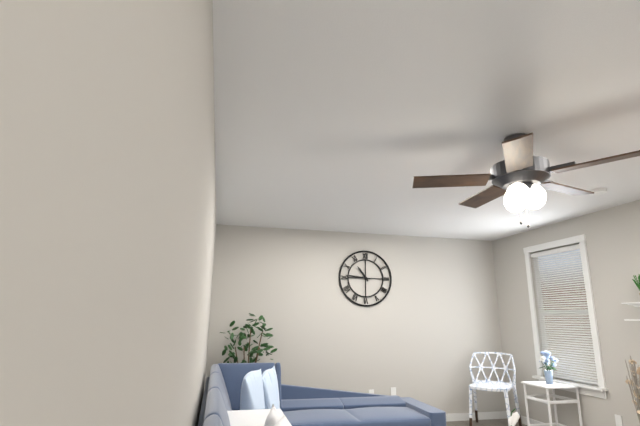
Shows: 10,46
